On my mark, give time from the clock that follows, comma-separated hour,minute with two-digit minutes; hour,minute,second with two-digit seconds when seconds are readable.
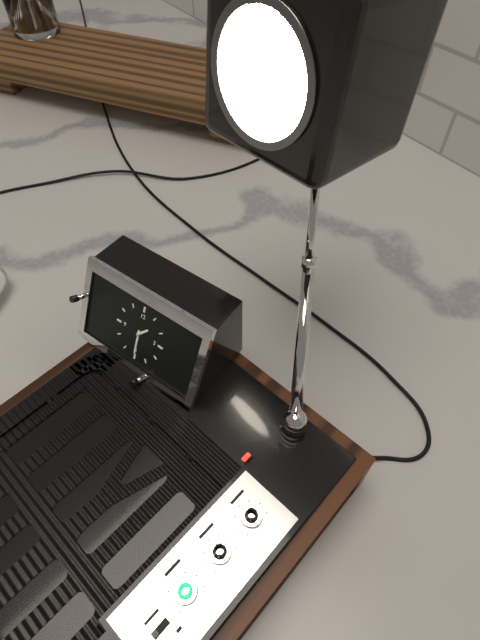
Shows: 1,30
